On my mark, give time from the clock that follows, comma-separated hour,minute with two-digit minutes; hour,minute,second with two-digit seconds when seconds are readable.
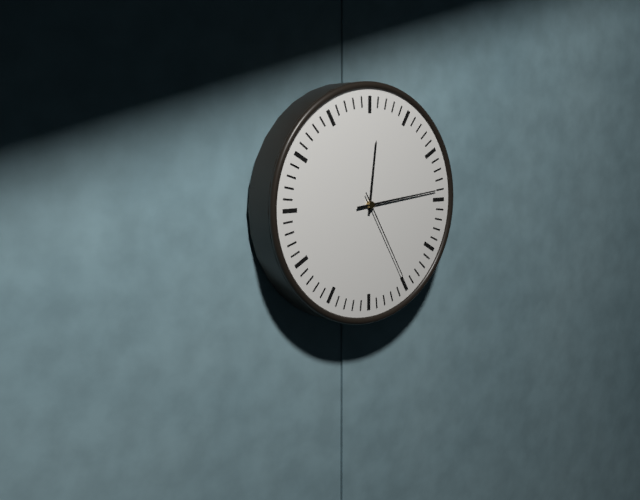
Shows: 12,14,25
